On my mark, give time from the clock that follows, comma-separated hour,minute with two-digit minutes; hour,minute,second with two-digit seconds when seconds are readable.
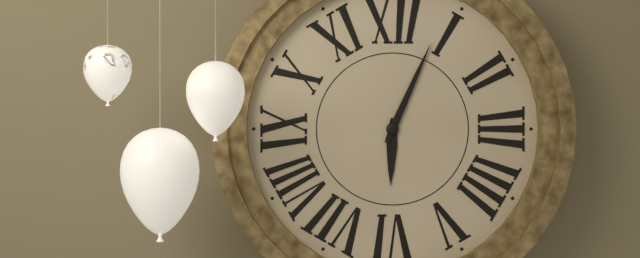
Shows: 6,04
